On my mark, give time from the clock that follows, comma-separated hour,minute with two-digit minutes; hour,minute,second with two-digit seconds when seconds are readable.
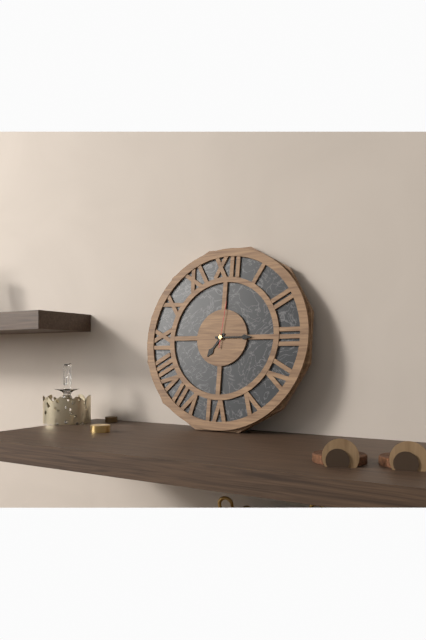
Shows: 7,15
